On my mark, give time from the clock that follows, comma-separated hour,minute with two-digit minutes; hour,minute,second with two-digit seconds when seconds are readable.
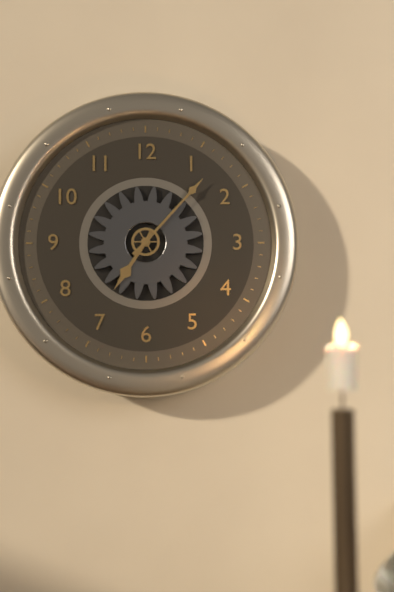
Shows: 7,07
